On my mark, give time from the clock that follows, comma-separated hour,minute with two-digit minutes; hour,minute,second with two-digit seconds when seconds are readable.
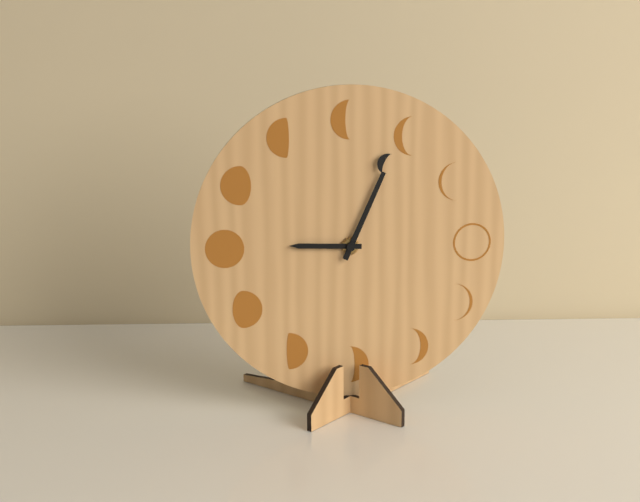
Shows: 9,04
